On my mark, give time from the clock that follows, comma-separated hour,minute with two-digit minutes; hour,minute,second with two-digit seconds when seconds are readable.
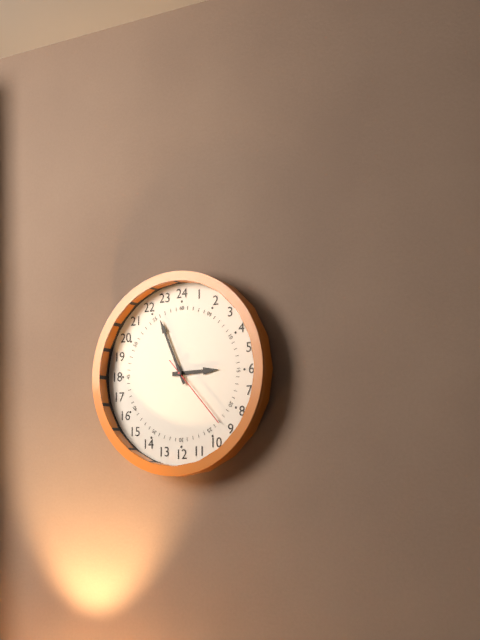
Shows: 2,56,23
